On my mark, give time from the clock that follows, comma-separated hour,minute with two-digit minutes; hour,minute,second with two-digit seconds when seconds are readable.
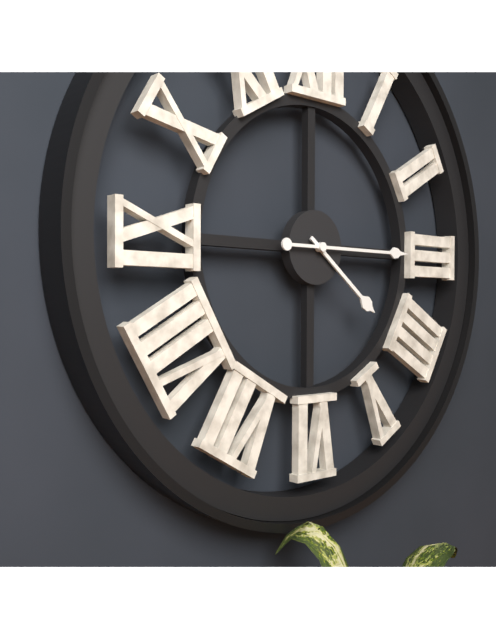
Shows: 4,15
